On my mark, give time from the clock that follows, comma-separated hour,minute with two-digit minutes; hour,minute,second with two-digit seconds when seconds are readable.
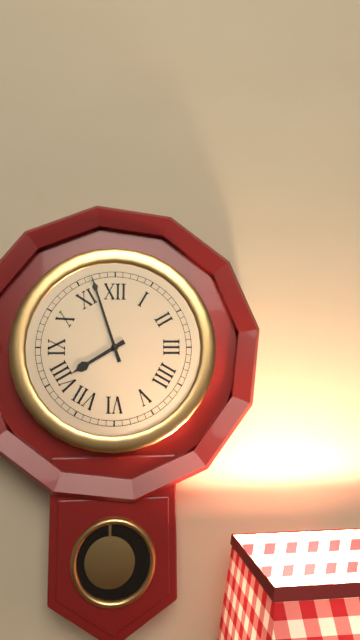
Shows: 7,57
